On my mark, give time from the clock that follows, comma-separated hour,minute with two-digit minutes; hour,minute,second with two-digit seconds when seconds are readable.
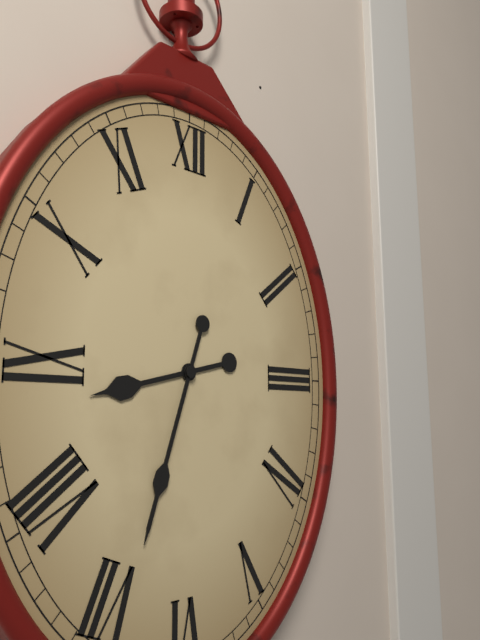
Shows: 8,33
